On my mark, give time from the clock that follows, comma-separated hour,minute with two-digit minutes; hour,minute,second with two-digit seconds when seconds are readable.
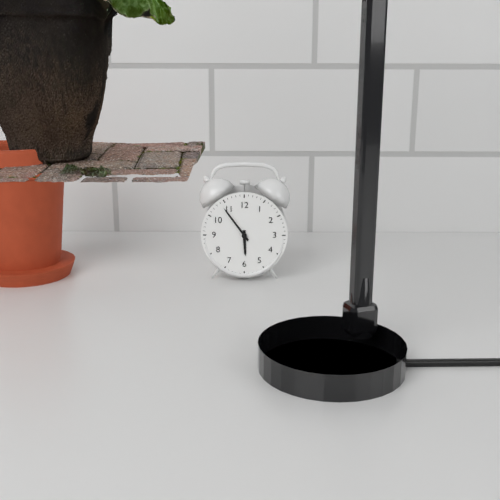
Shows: 5,54
